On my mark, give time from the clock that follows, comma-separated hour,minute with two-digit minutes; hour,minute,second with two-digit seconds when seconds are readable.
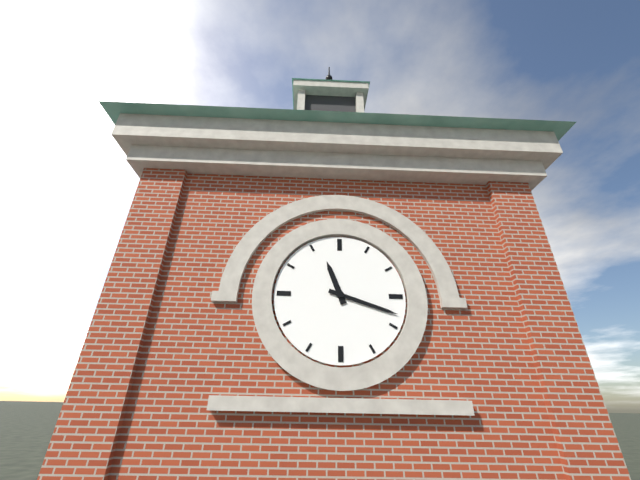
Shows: 11,18
